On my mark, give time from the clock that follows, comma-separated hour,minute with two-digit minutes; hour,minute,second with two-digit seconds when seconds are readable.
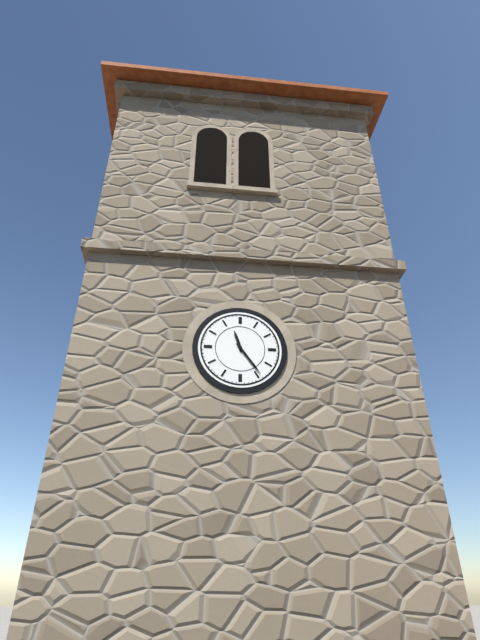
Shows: 11,24
